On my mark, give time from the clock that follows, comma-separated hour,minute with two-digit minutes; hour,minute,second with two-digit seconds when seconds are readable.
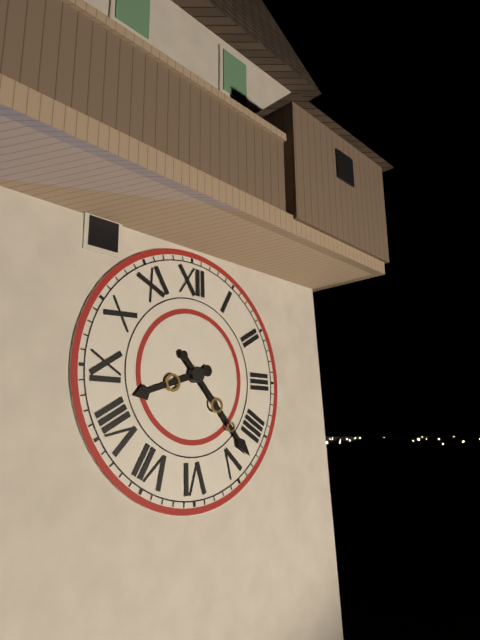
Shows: 8,23
